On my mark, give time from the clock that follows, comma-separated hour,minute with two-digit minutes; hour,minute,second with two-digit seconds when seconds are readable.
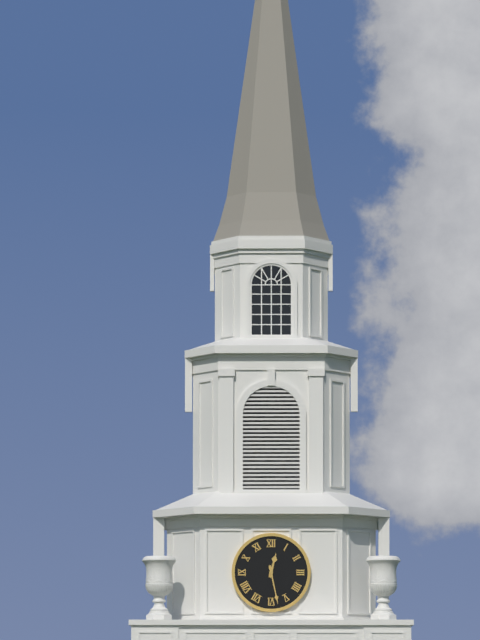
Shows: 12,28
